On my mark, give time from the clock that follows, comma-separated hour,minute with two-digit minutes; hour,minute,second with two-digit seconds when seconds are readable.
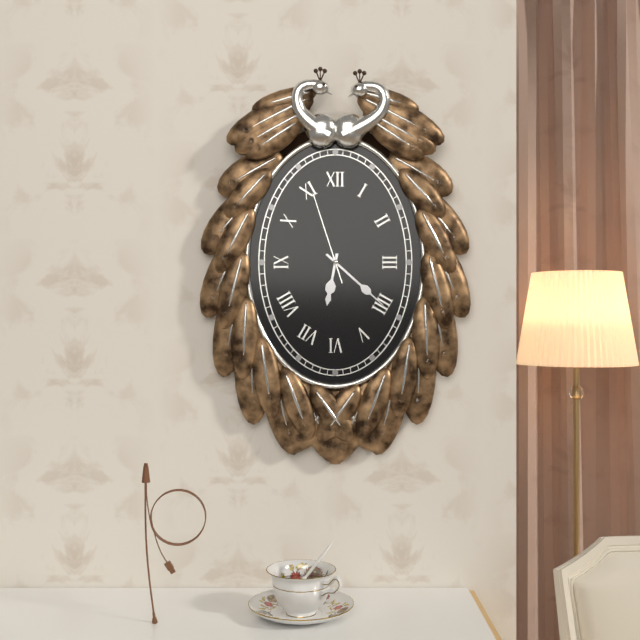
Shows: 6,22,57
